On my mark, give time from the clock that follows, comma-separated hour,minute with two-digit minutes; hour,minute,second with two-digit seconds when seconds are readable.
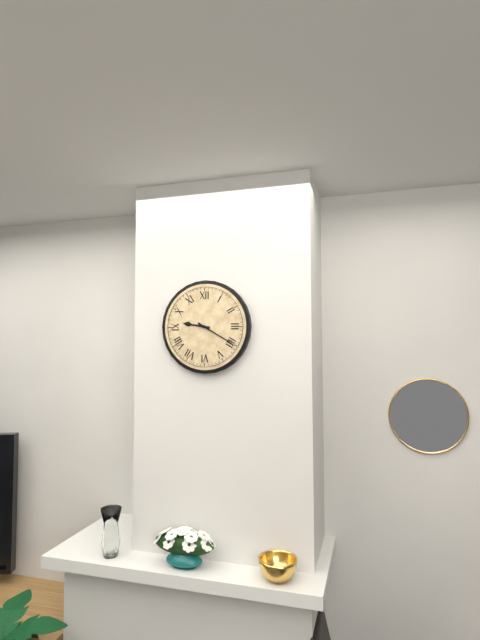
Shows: 9,20
